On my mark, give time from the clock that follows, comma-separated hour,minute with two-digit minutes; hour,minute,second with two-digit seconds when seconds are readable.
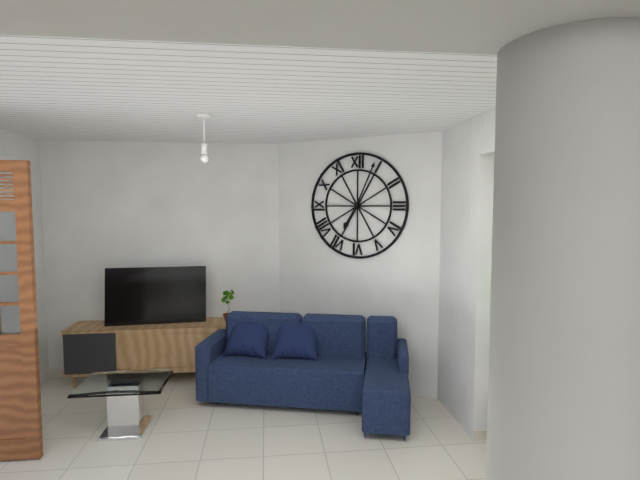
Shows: 7,04
